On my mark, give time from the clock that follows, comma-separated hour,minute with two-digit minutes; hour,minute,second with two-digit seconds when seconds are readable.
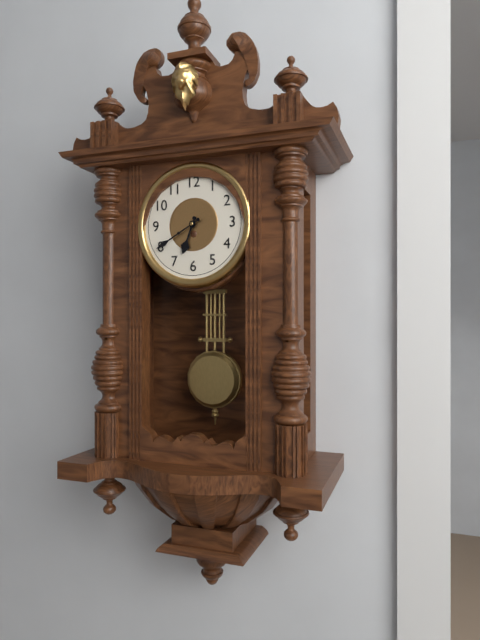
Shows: 6,40
